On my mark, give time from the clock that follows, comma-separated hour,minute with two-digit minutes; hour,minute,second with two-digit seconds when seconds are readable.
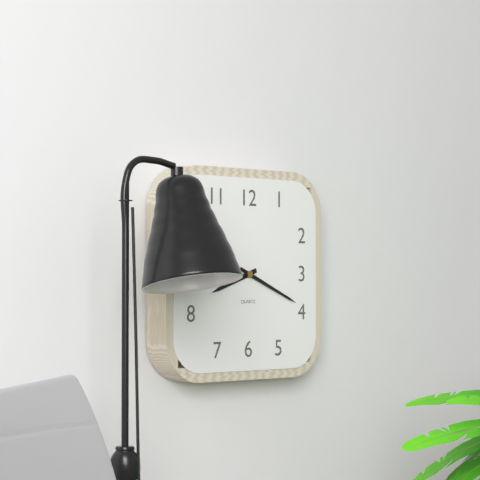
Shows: 8,19
